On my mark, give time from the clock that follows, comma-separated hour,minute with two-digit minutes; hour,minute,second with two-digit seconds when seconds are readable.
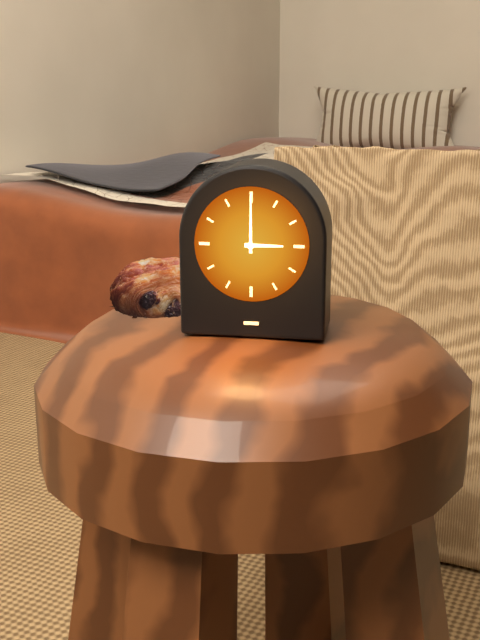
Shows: 3,00
